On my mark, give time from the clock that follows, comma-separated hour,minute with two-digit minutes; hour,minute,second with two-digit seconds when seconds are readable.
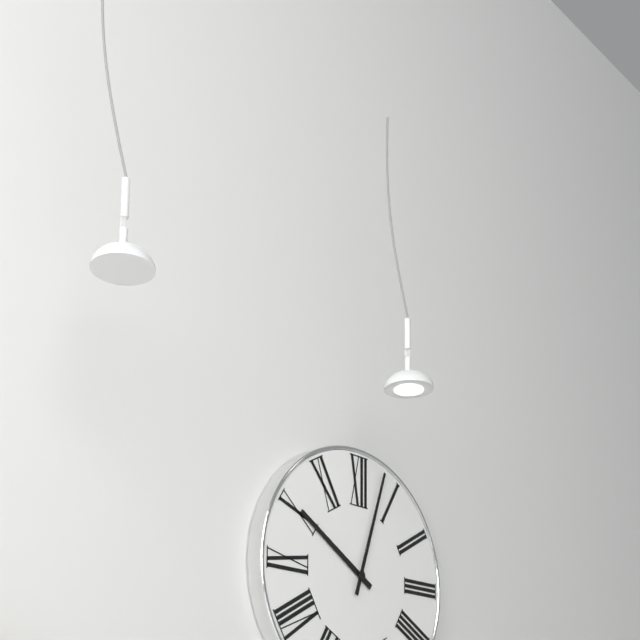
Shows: 10,03
